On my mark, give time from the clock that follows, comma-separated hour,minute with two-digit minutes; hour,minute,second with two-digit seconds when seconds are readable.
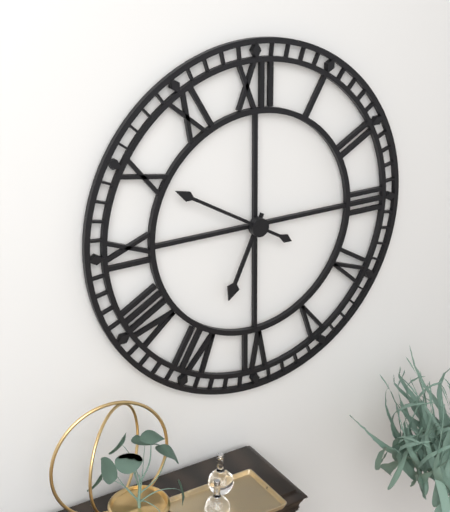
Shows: 6,50
